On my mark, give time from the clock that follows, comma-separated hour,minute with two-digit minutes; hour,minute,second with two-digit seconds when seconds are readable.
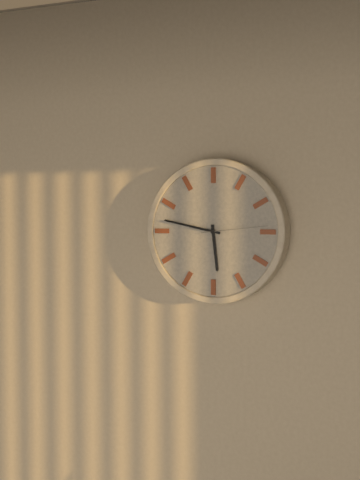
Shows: 5,47,14
